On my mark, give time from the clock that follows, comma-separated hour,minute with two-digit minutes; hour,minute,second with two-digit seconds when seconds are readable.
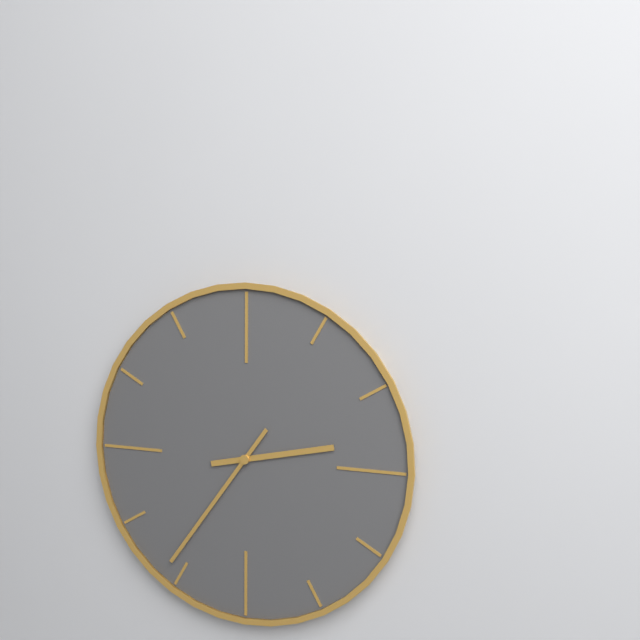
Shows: 2,36
